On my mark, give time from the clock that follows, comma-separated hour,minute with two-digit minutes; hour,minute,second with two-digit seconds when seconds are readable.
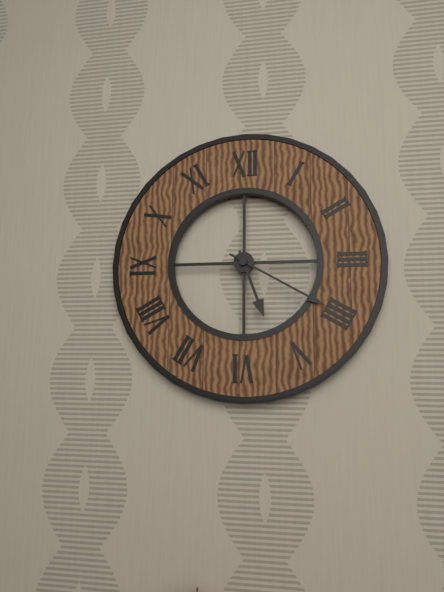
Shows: 5,20
